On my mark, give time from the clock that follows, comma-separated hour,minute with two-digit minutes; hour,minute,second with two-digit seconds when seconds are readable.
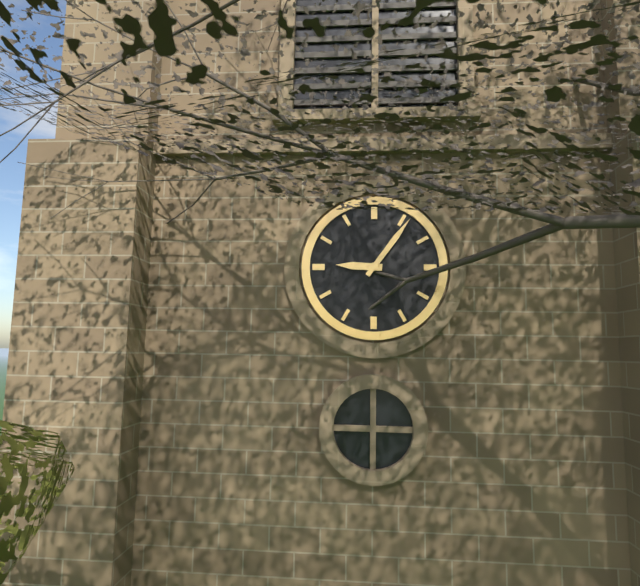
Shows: 9,06
